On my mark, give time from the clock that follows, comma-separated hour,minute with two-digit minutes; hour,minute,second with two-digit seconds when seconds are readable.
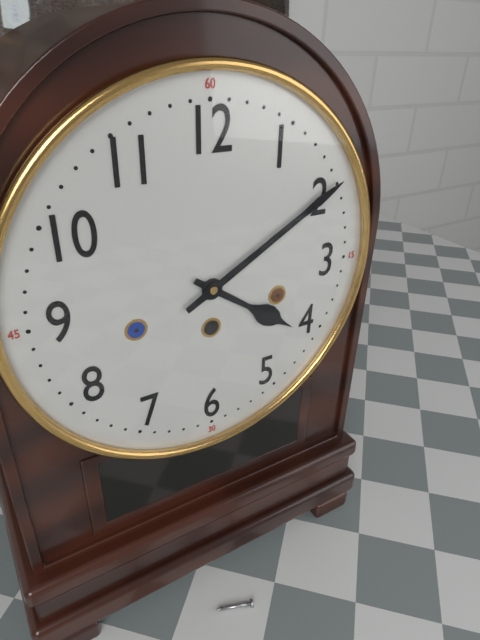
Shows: 4,10
